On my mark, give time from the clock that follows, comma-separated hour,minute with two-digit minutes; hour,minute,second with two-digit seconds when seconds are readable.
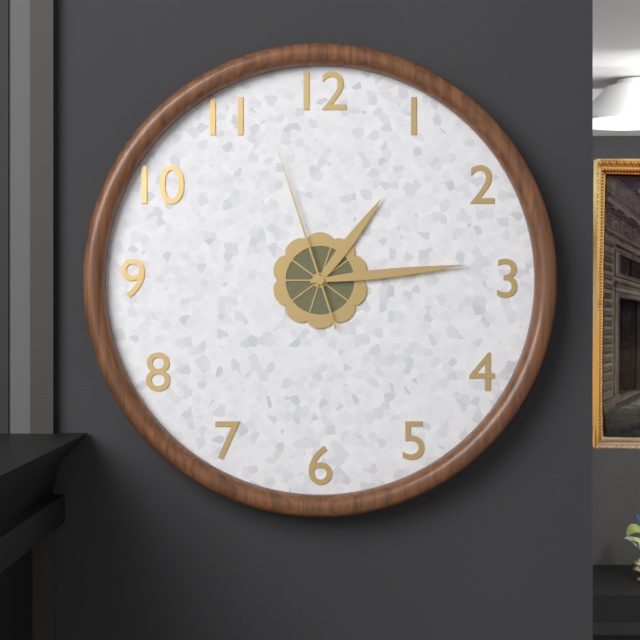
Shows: 1,14,57
